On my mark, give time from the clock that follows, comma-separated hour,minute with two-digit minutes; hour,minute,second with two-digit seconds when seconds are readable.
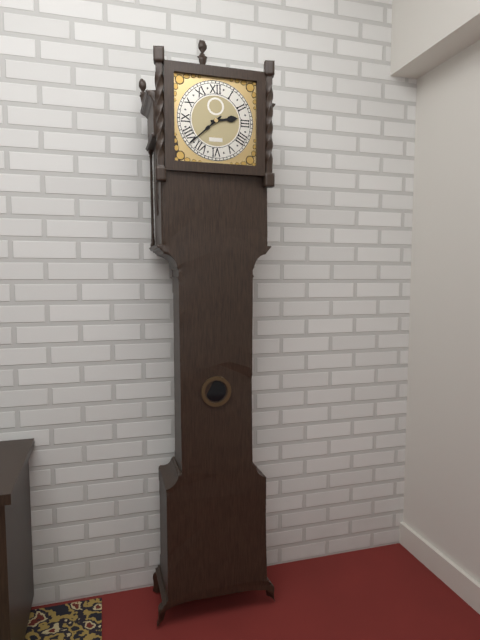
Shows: 2,38
